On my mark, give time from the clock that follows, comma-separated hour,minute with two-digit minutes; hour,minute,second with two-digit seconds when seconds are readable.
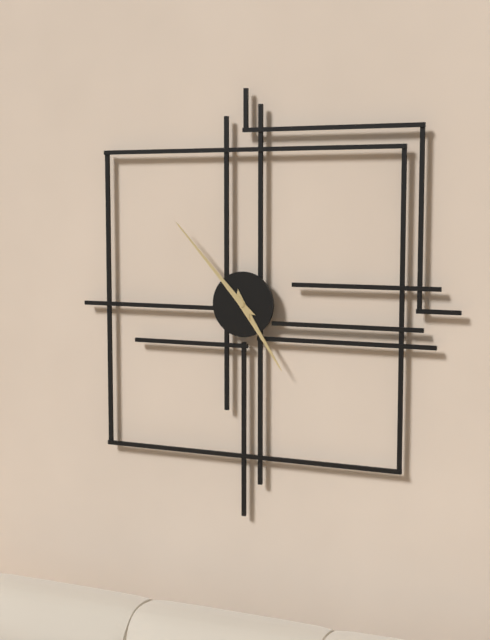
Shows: 4,53
